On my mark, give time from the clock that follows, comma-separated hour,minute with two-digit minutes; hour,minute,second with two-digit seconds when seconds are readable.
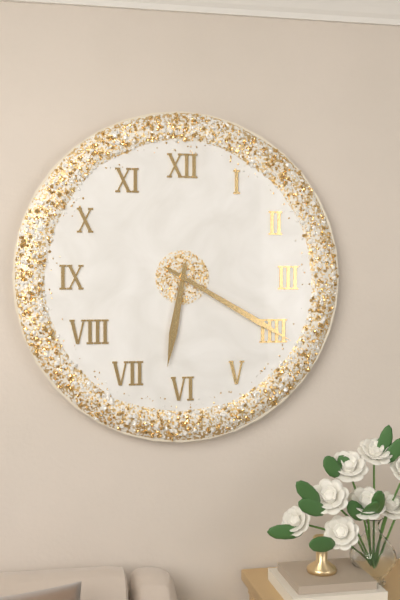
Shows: 6,20
